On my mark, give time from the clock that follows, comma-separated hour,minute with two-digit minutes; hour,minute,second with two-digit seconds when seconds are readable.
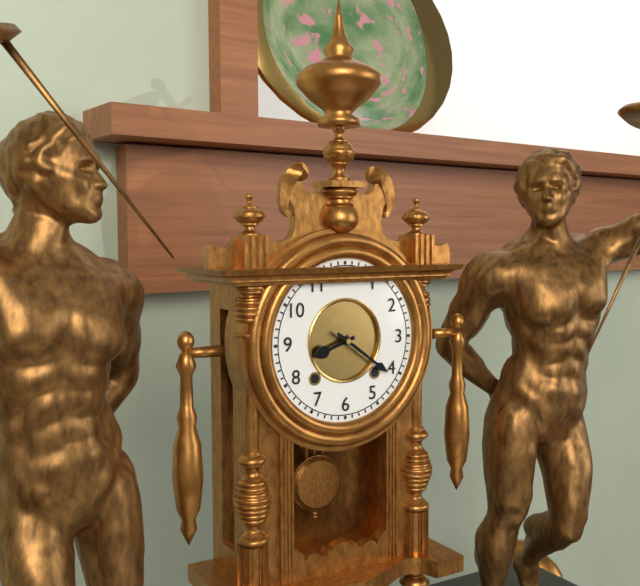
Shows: 8,21
